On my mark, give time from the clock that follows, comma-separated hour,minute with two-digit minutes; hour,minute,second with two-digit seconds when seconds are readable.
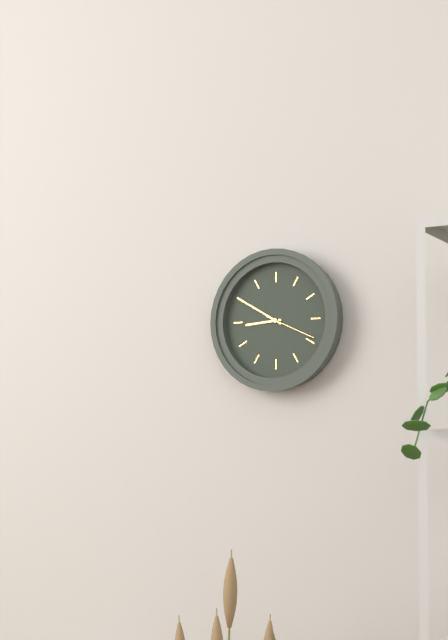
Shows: 8,50,19
